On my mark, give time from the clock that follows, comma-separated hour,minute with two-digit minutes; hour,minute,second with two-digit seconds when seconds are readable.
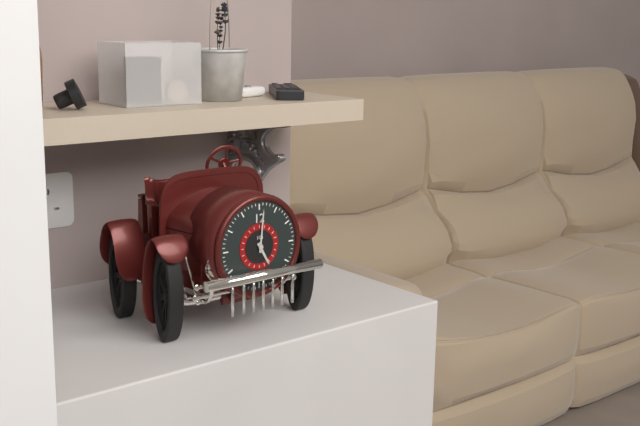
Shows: 5,01
